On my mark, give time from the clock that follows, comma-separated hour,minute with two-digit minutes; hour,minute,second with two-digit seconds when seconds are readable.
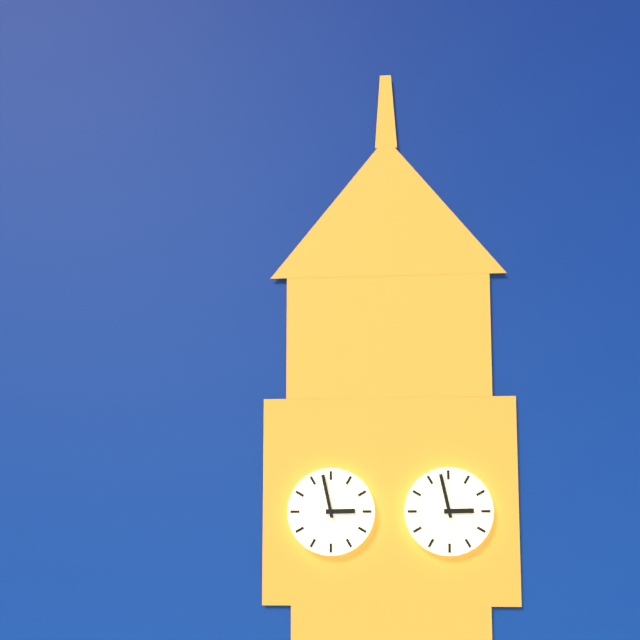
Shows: 2,58
